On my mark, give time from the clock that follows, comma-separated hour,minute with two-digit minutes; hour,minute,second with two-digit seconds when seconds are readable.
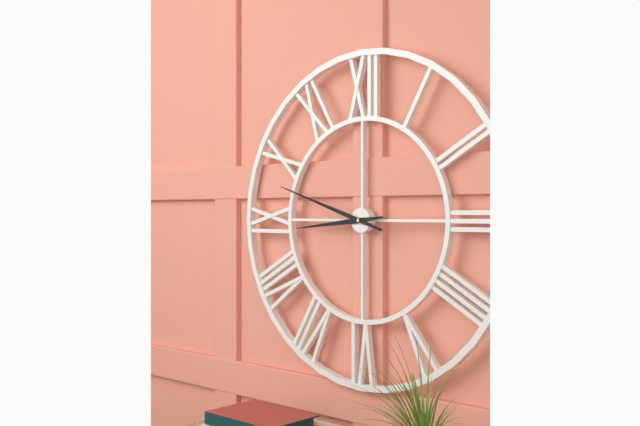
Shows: 8,48
